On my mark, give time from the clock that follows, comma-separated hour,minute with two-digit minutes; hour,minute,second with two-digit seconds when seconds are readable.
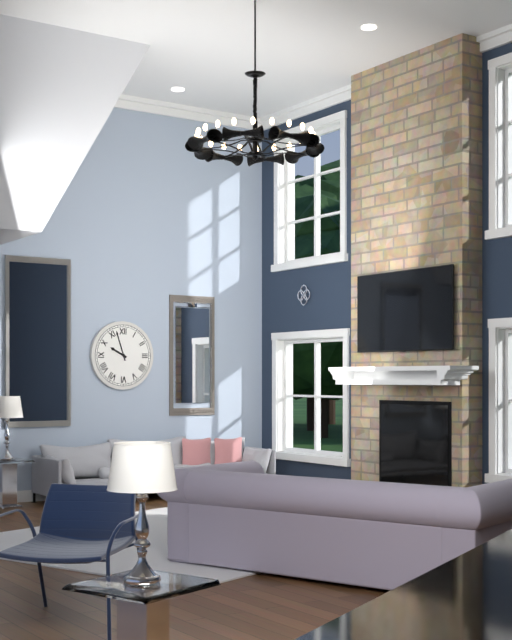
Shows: 9,57
